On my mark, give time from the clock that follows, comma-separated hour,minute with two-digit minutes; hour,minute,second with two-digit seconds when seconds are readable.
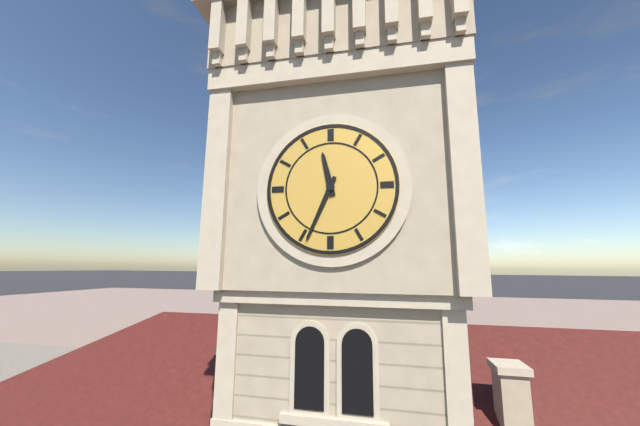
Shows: 11,34
